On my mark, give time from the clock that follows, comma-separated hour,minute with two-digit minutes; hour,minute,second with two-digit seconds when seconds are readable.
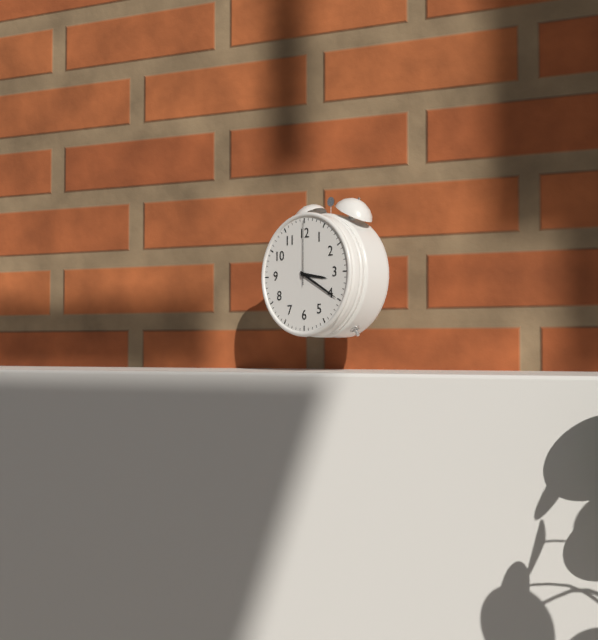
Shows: 3,20,00
